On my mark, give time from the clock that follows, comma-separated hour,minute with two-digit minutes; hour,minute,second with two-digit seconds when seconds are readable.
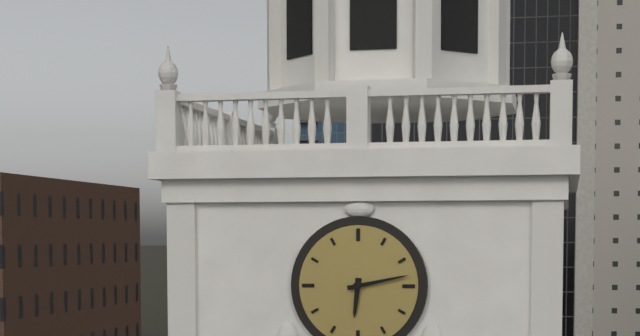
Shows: 6,13
